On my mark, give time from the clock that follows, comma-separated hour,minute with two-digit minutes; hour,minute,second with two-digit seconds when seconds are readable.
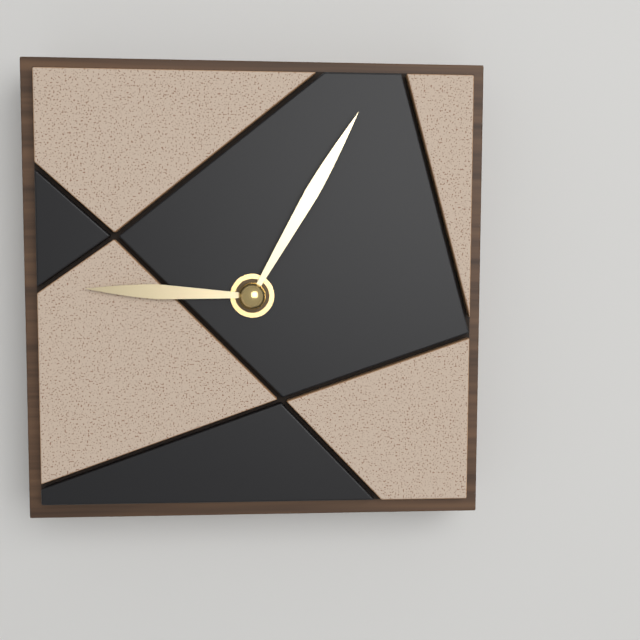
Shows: 9,05
